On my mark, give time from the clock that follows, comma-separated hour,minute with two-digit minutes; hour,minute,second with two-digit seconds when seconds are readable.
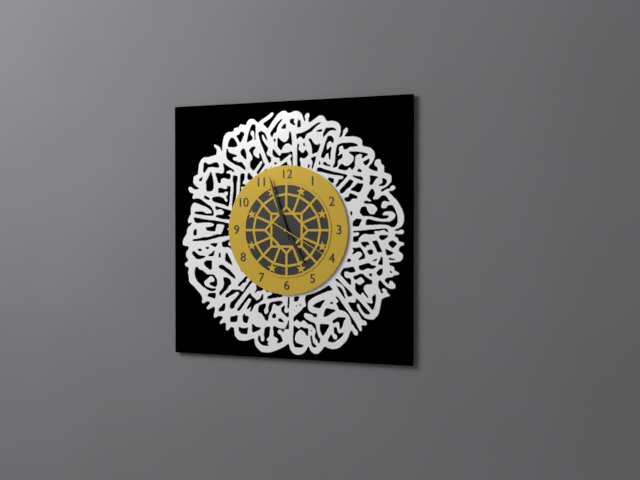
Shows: 4,57,20
